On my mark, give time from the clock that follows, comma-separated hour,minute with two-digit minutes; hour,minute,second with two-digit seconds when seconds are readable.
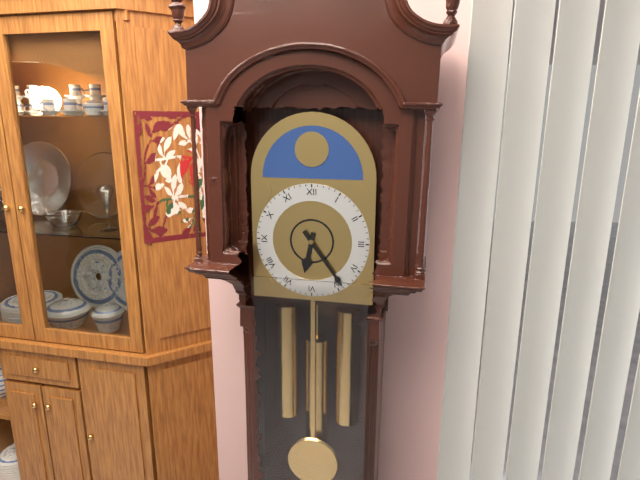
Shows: 6,24
